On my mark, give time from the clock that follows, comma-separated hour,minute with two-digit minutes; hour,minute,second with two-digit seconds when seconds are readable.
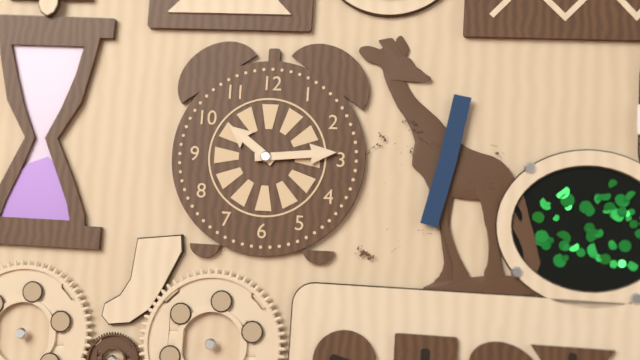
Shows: 10,14
